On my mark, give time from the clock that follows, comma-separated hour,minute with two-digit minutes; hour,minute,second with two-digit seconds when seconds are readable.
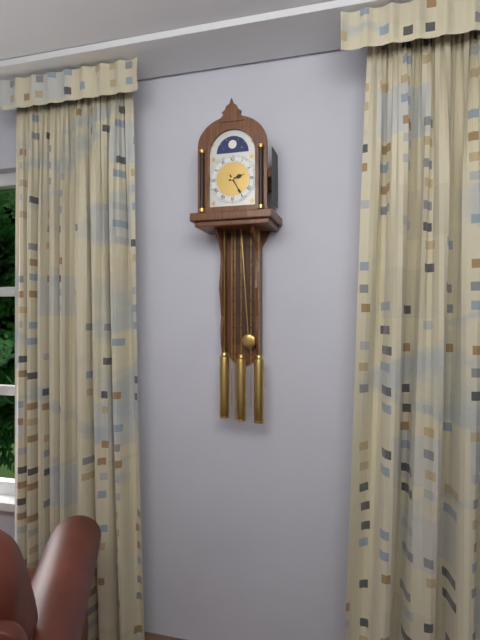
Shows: 2,25
